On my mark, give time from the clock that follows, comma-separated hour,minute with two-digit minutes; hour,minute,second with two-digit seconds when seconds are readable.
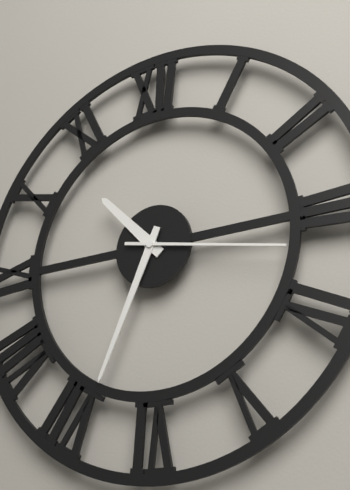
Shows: 10,34,17
